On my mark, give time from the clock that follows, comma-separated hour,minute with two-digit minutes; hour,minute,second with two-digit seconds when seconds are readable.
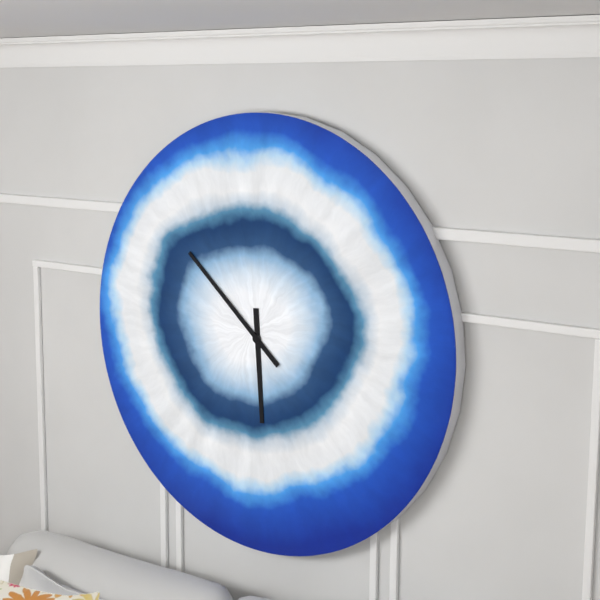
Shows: 5,52
